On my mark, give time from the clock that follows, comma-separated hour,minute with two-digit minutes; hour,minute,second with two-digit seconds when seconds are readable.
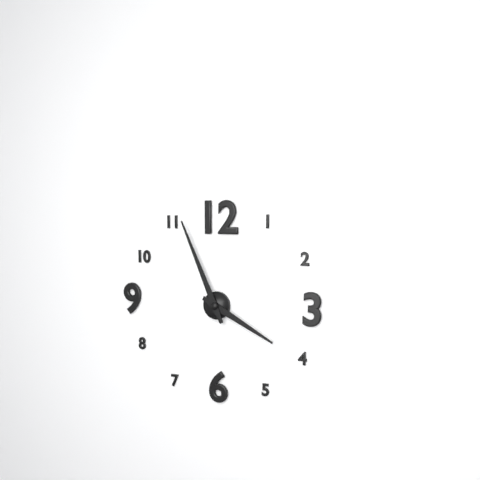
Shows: 3,56
